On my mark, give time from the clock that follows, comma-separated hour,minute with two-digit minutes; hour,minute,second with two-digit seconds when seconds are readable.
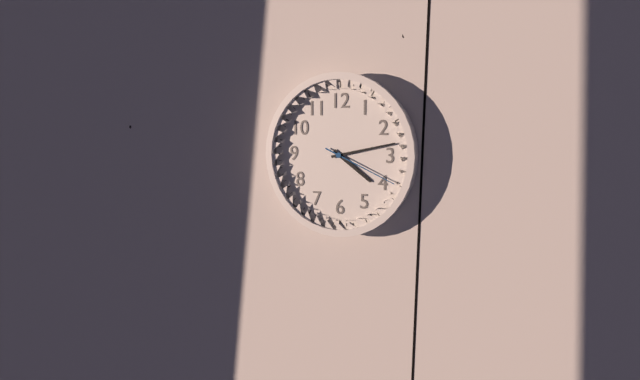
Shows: 4,13,19
